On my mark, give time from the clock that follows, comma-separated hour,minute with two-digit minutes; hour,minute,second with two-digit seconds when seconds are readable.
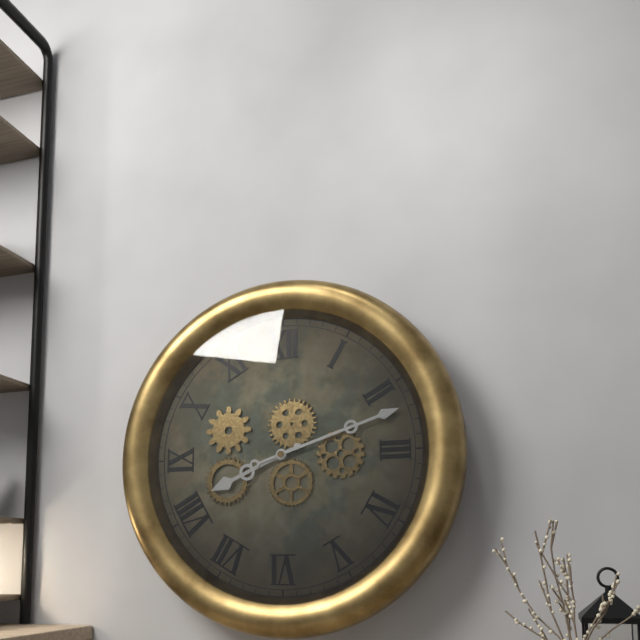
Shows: 8,12
